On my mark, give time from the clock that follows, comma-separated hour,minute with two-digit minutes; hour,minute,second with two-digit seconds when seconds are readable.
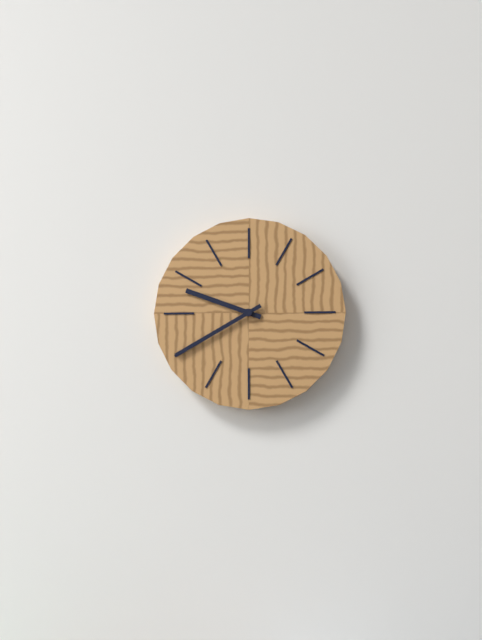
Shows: 9,40
